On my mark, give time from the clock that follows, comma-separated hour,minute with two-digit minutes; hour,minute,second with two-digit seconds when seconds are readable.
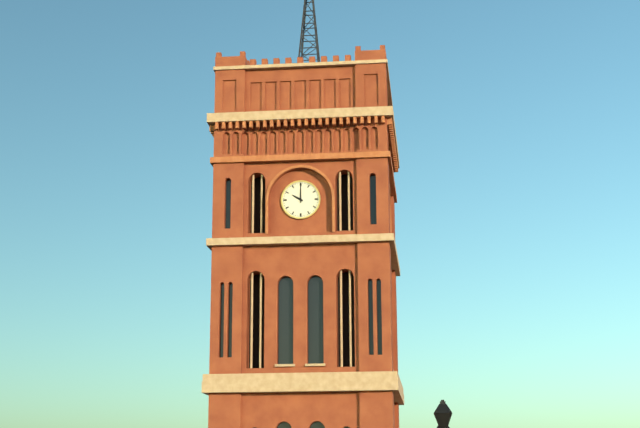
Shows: 10,00
